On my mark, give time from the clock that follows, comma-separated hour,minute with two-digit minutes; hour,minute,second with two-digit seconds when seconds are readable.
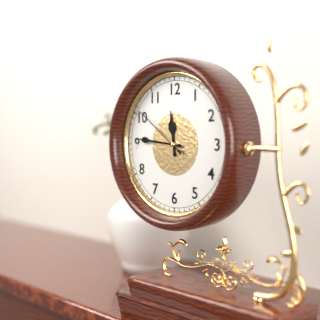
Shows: 11,46,51
